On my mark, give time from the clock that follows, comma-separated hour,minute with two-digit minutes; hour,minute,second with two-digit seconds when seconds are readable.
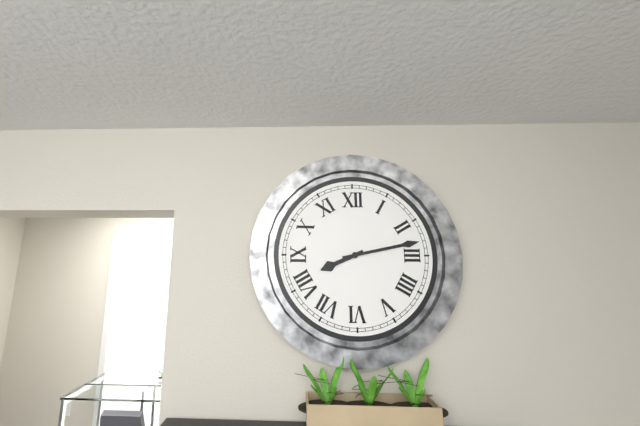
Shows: 8,13
